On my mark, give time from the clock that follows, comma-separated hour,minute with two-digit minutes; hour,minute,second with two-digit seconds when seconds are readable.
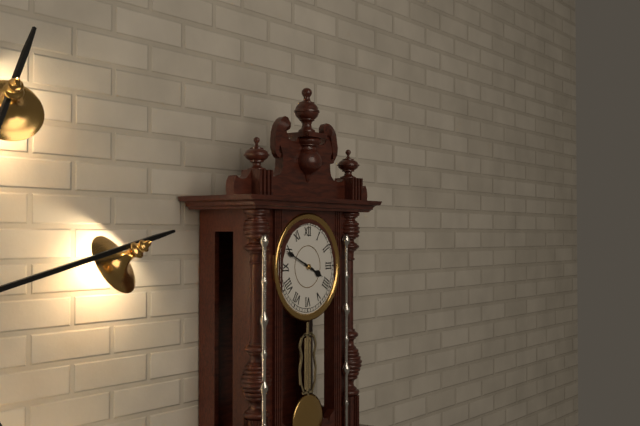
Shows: 3,49
